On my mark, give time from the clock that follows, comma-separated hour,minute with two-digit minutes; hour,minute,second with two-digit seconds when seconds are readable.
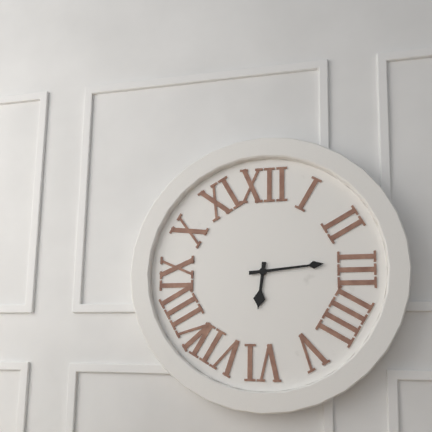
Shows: 6,14
